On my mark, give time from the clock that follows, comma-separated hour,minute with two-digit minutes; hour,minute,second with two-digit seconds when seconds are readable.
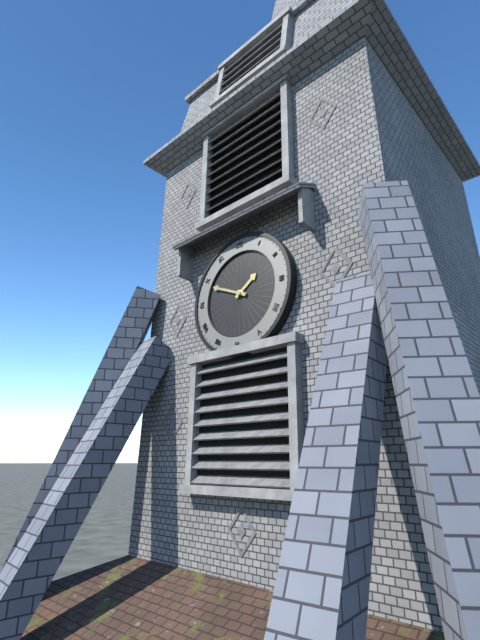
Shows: 1,49
